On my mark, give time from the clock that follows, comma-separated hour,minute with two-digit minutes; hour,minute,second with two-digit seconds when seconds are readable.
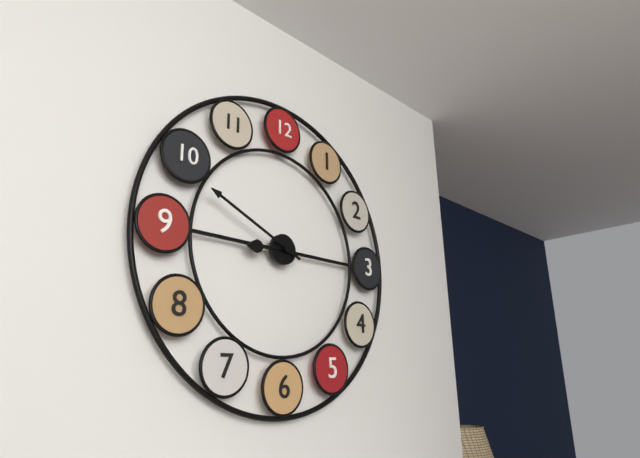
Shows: 8,49
